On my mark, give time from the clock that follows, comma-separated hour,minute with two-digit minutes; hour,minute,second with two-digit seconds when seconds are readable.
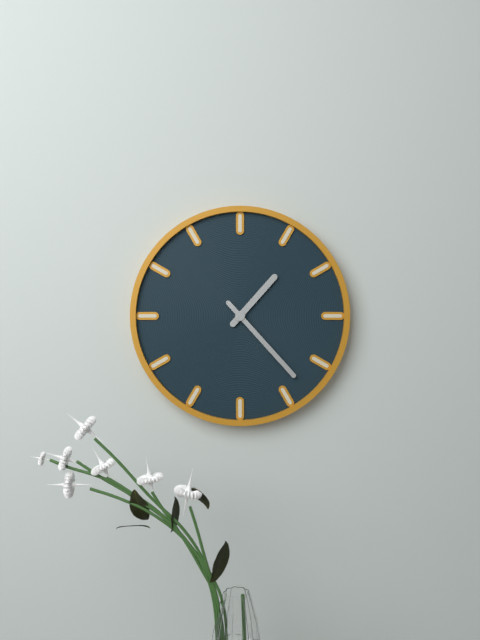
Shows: 1,23
